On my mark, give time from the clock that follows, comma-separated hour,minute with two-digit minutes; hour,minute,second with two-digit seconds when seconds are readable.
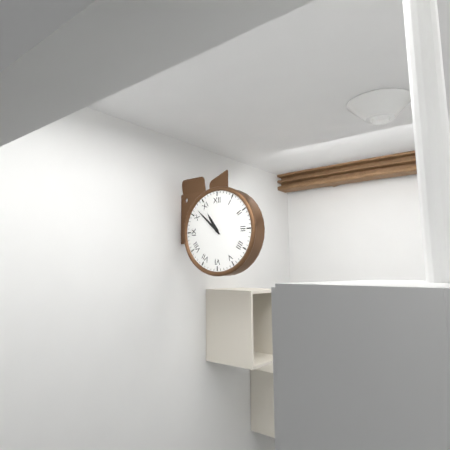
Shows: 10,52
